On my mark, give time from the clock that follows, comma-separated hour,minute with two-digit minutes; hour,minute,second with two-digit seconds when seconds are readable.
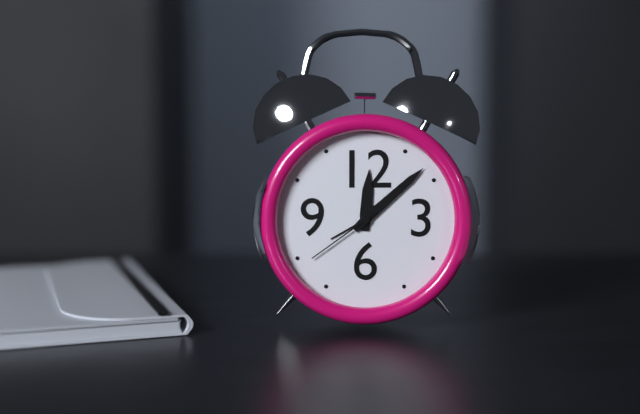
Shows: 12,08,39
